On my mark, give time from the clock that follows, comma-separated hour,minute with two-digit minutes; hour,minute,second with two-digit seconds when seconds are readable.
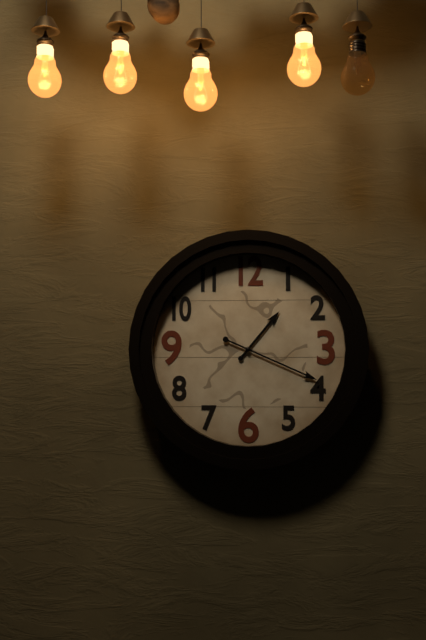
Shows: 1,19
